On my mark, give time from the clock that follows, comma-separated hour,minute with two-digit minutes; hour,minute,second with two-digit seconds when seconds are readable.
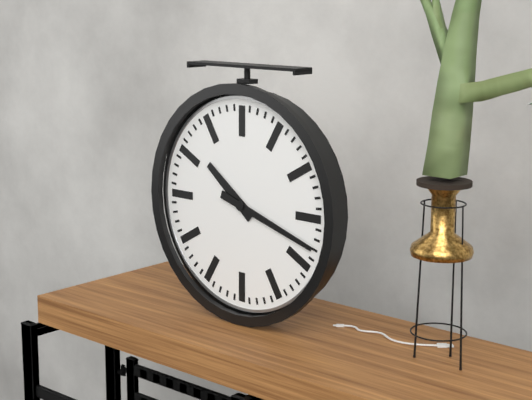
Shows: 10,18
